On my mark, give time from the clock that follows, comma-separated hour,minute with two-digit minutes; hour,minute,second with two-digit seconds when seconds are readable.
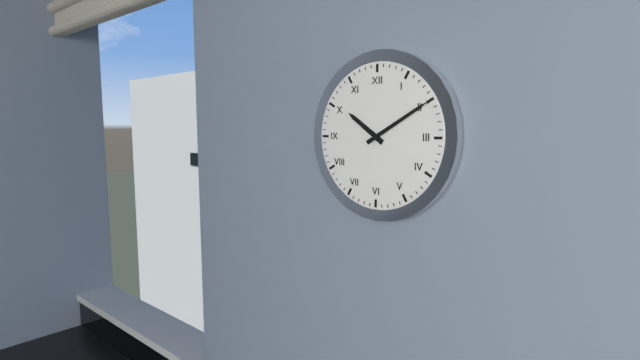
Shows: 10,10
